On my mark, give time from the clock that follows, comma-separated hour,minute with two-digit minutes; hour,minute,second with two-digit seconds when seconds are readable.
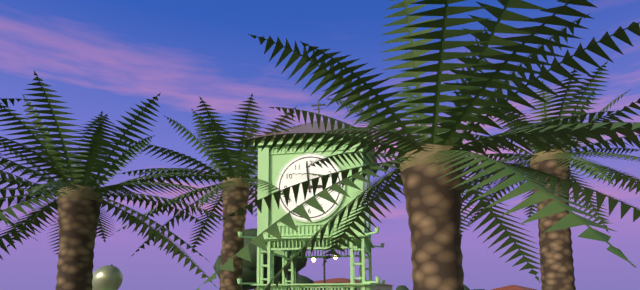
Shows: 2,59
